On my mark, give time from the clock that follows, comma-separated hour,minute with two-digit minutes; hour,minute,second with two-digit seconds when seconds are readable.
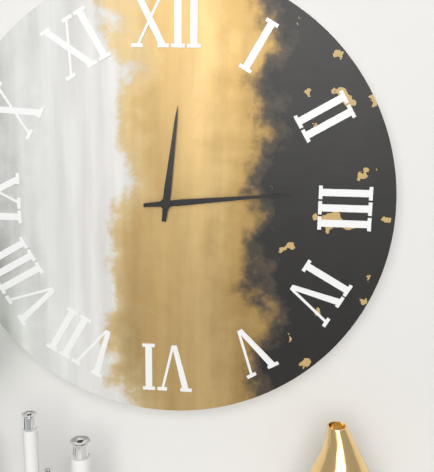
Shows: 12,14
